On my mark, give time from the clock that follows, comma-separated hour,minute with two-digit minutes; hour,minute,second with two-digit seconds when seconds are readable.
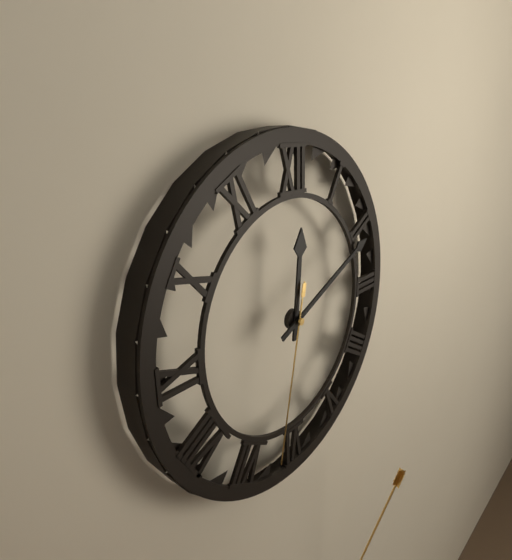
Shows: 12,11,32
